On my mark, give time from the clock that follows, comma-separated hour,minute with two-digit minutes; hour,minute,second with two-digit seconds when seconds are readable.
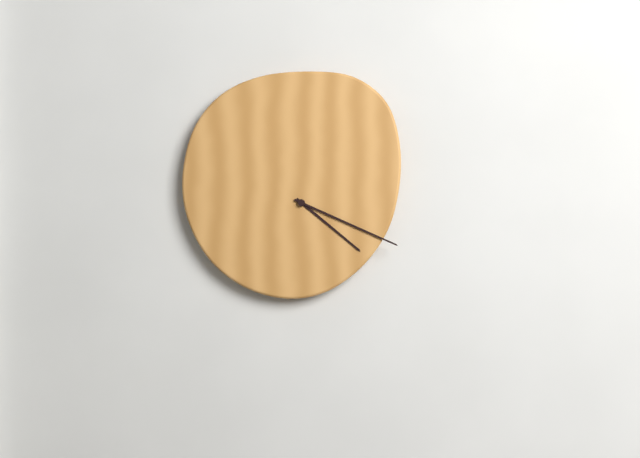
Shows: 4,19
